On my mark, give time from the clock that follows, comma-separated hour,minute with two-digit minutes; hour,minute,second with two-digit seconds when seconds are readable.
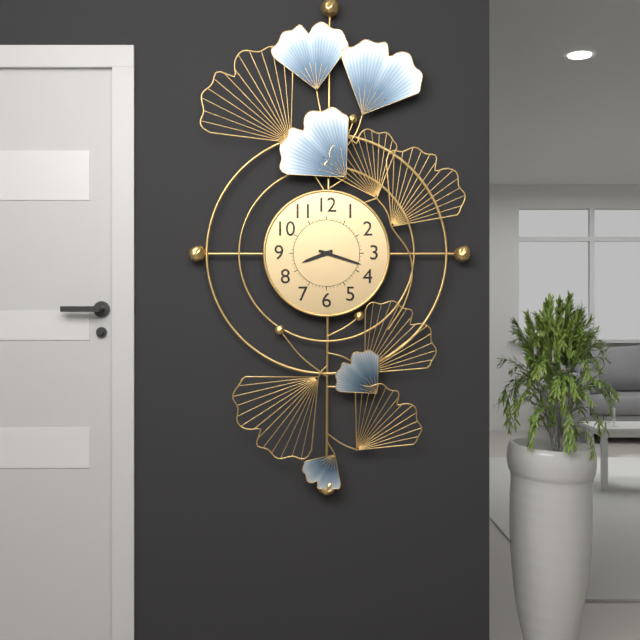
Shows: 8,18
